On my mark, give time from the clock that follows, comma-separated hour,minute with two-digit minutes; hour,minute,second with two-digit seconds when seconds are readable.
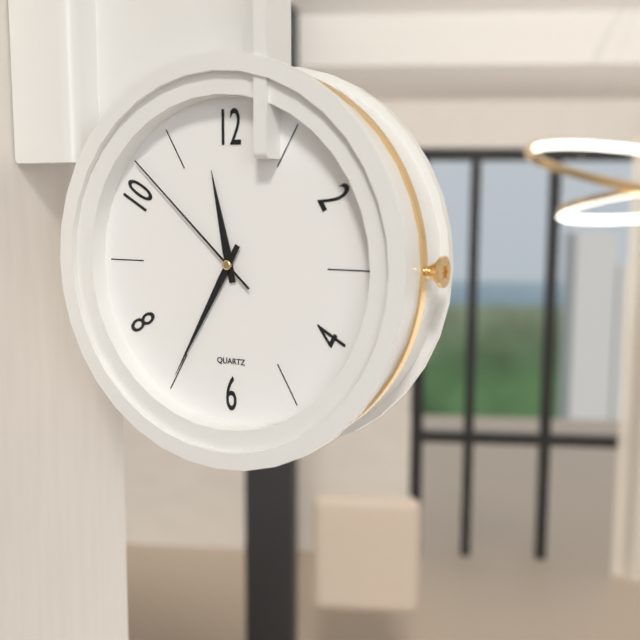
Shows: 11,35,52
